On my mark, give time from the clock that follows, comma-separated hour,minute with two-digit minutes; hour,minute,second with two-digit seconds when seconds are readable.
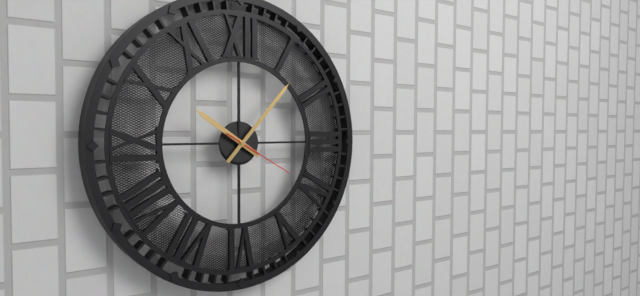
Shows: 10,07,20
